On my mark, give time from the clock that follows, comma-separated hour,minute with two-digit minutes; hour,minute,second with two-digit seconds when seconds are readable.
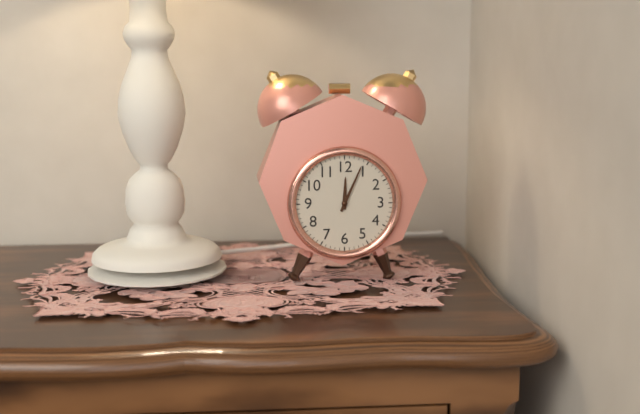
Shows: 12,04
